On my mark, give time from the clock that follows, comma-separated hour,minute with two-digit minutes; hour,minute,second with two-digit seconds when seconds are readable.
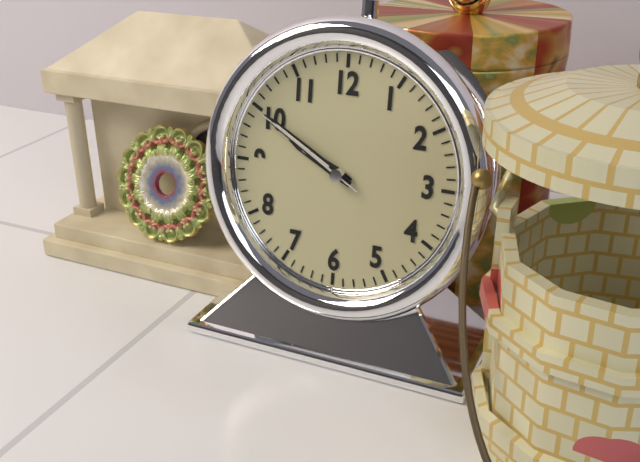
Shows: 9,50,50
